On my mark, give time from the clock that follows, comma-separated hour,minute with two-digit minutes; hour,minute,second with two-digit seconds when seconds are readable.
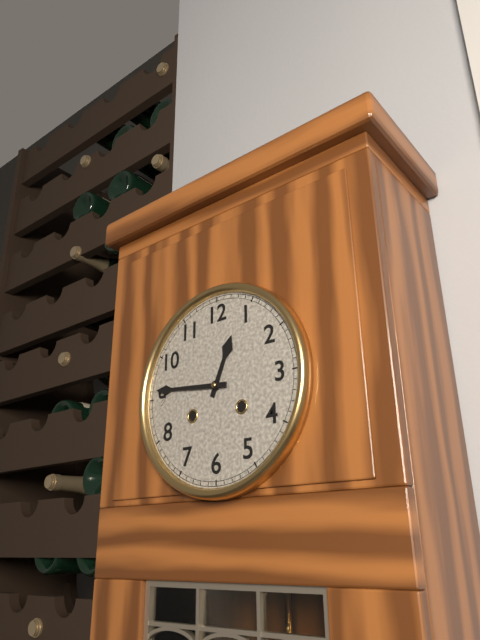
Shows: 12,46
